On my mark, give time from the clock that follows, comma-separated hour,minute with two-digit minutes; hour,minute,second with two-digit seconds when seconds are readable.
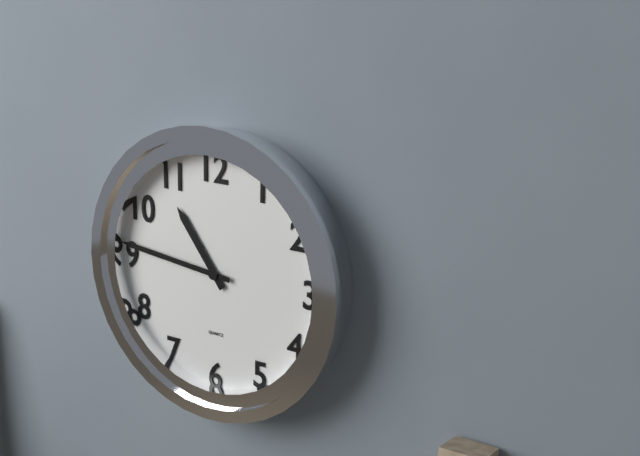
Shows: 10,46
